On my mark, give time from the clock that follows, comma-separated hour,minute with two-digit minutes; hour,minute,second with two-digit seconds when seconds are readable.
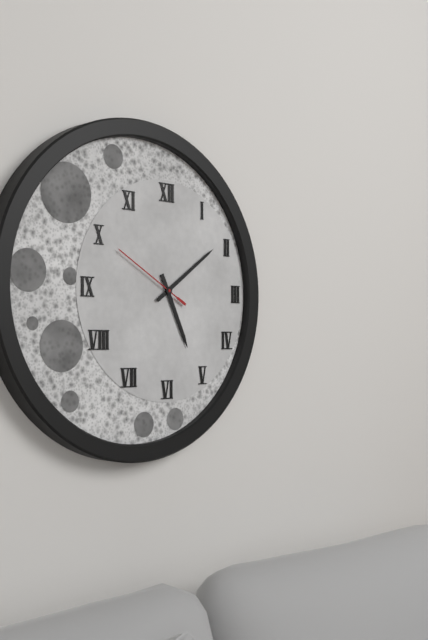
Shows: 5,09,50
